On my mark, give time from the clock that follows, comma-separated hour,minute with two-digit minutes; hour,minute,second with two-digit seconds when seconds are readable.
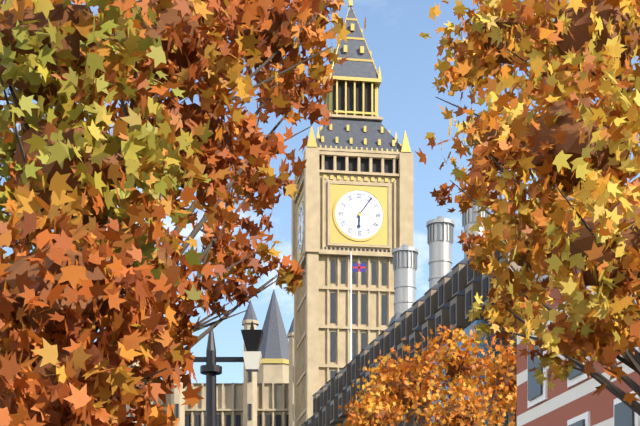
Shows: 6,06
